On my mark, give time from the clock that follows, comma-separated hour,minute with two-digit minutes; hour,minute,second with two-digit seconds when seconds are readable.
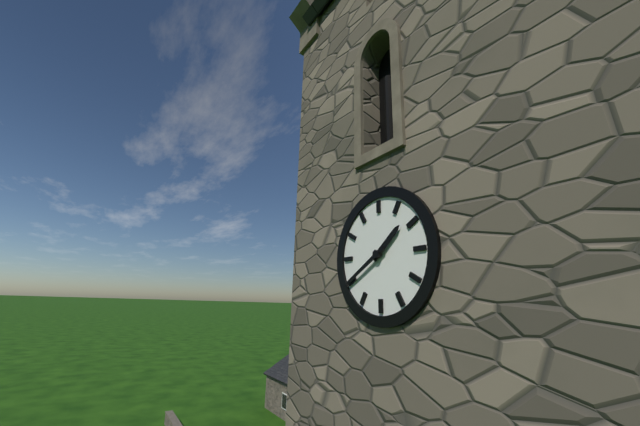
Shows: 1,40
